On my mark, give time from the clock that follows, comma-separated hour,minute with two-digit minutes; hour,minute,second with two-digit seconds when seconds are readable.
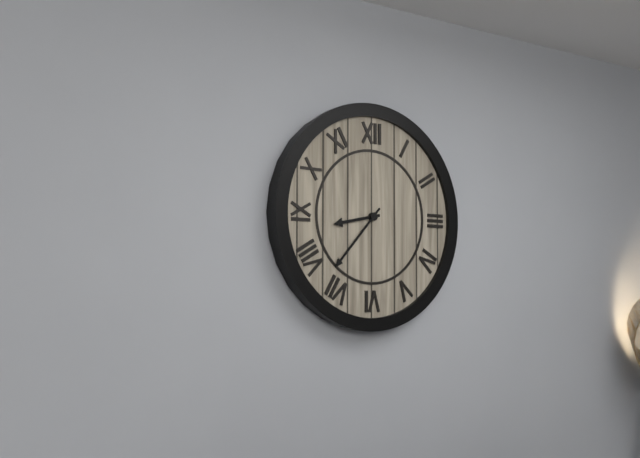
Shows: 8,37
